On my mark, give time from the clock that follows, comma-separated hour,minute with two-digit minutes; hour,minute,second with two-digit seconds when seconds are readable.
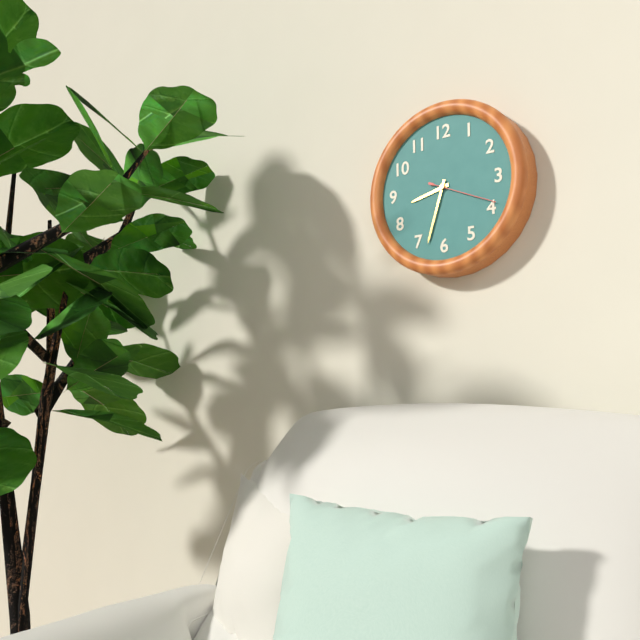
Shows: 8,33,19
